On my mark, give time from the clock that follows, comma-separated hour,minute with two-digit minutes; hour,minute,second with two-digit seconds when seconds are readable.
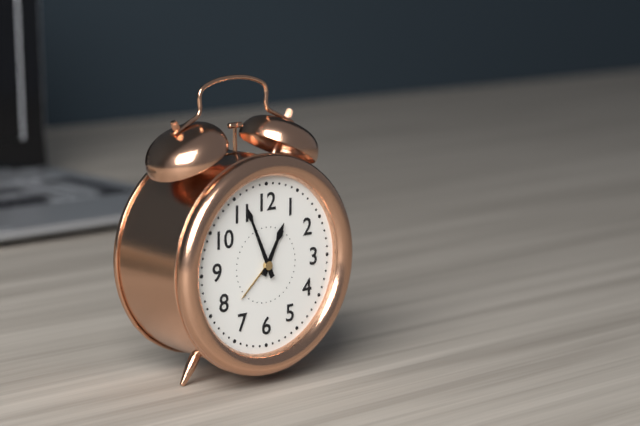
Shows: 12,56
